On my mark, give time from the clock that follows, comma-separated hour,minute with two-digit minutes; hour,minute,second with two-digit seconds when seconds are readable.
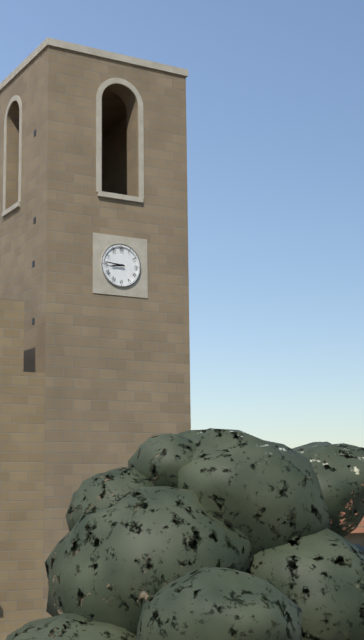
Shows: 8,46
